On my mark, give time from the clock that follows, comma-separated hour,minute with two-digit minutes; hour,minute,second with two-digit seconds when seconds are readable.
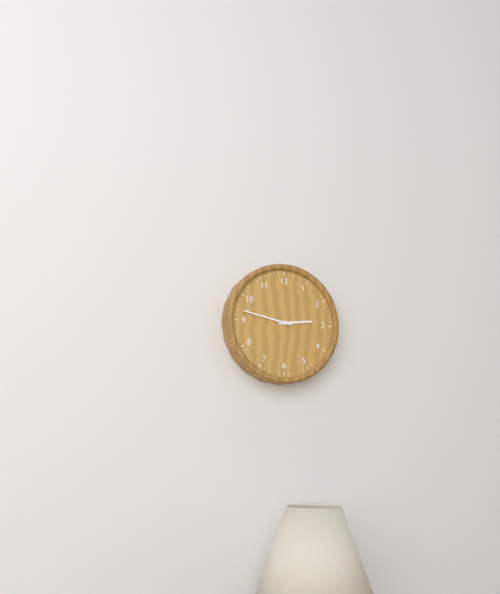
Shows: 2,47
